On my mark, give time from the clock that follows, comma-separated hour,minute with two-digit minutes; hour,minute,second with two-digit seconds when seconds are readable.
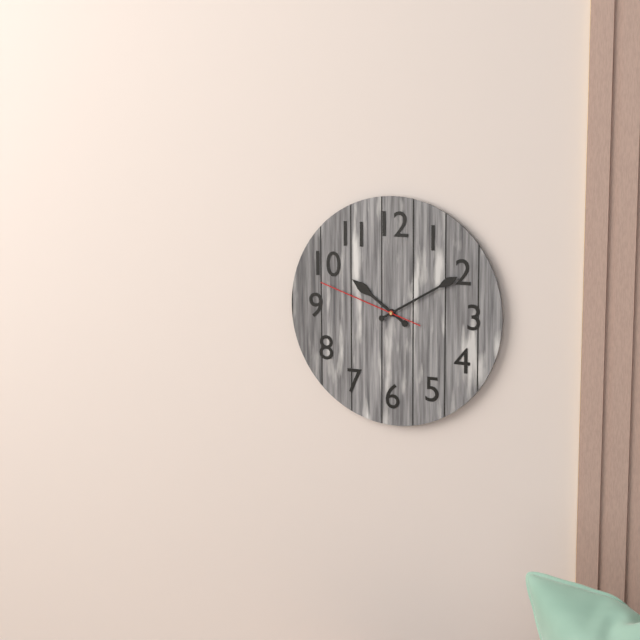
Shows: 10,10,48
